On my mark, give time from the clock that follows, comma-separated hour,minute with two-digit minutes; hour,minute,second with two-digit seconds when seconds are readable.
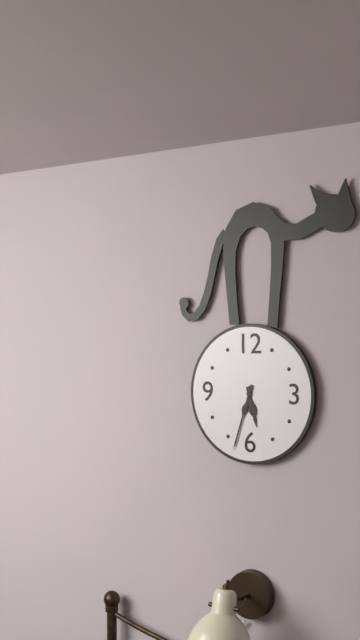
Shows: 5,33
